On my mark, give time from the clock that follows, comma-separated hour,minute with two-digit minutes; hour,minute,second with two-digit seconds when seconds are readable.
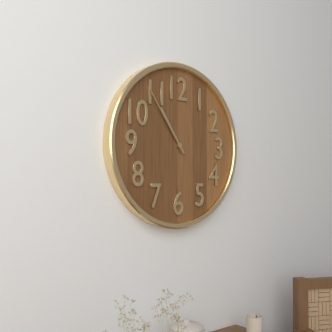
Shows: 10,54
